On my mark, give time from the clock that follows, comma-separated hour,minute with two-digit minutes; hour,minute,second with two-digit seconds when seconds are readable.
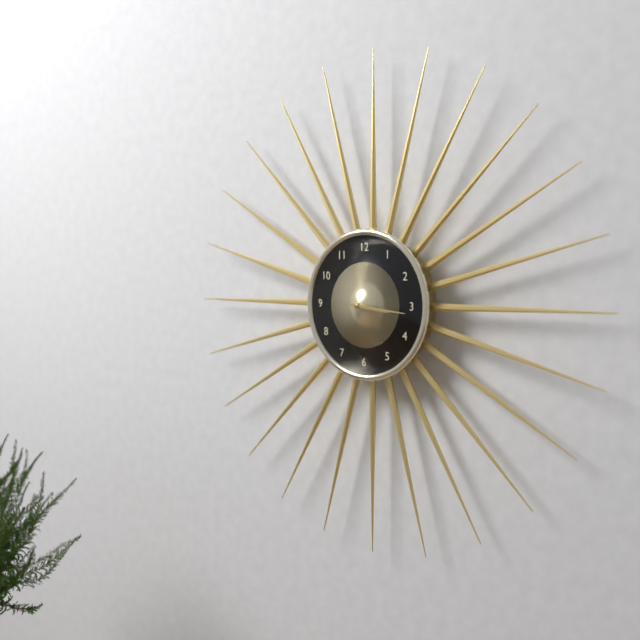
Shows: 3,16
